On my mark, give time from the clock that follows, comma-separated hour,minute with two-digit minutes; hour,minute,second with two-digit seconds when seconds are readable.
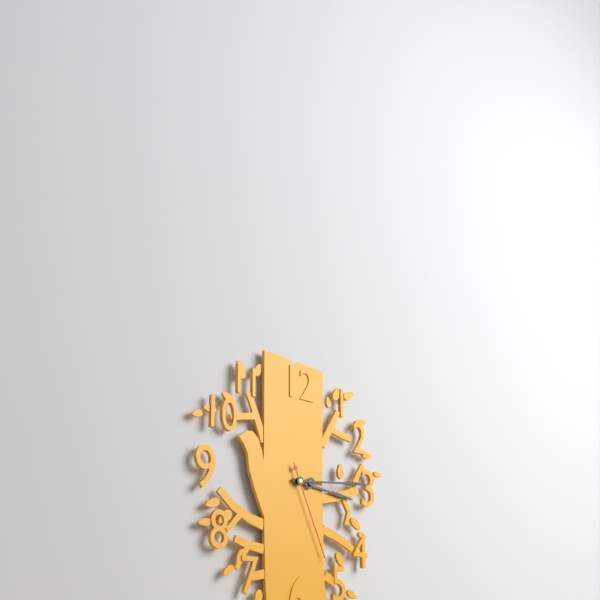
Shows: 3,14,26
